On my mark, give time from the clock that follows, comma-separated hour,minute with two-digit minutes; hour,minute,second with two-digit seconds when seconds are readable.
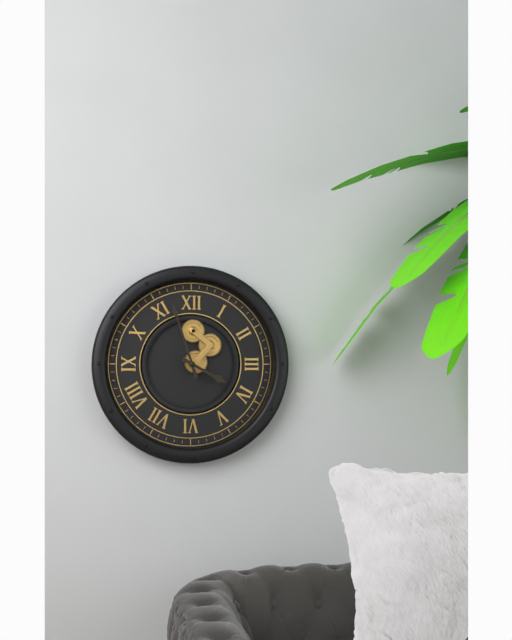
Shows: 3,57
